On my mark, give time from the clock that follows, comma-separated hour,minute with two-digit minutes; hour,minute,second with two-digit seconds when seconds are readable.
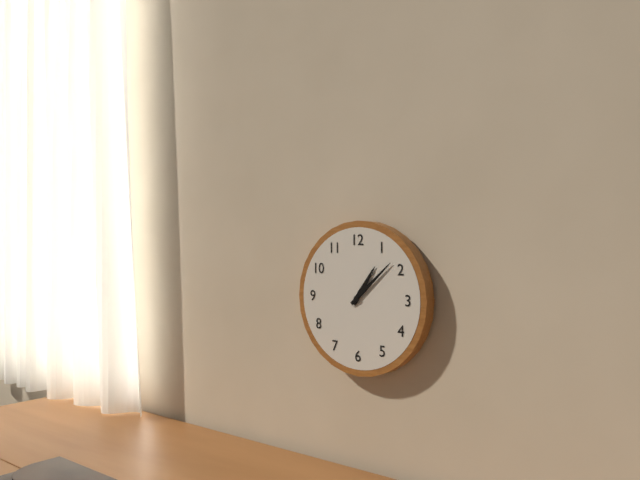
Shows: 1,08
